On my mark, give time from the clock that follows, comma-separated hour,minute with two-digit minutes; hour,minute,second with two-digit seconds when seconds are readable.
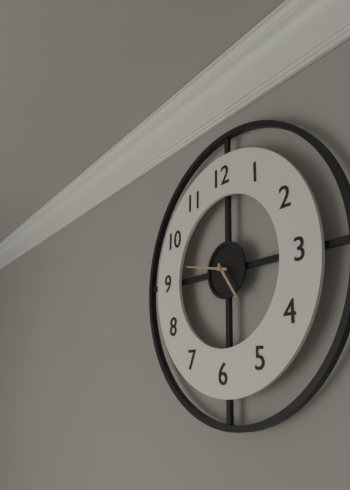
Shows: 4,47
